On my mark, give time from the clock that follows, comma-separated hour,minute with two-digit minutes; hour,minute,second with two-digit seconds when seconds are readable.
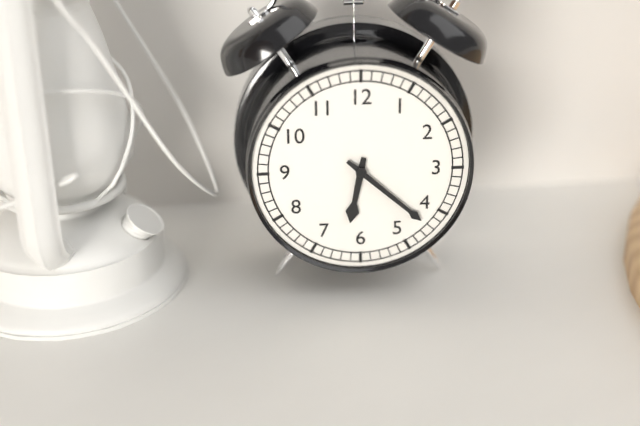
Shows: 6,22
